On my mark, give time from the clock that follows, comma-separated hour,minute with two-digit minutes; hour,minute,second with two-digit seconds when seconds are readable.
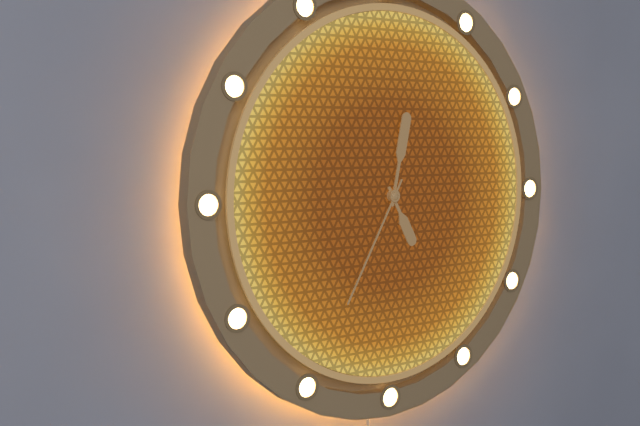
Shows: 5,02,35
